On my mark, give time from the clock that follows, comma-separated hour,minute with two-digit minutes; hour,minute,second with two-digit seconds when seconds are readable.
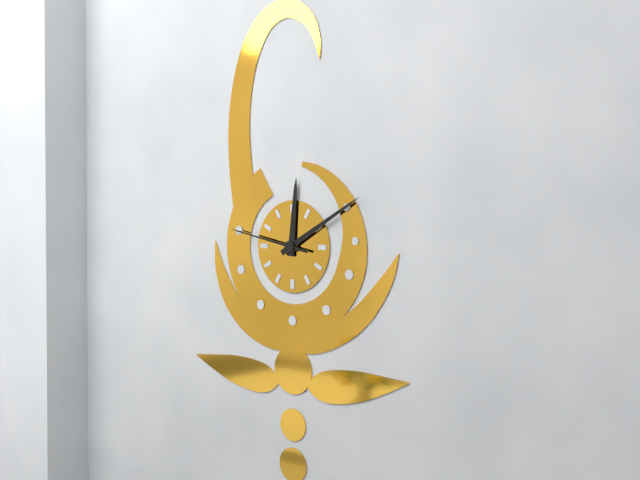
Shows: 12,10,47
